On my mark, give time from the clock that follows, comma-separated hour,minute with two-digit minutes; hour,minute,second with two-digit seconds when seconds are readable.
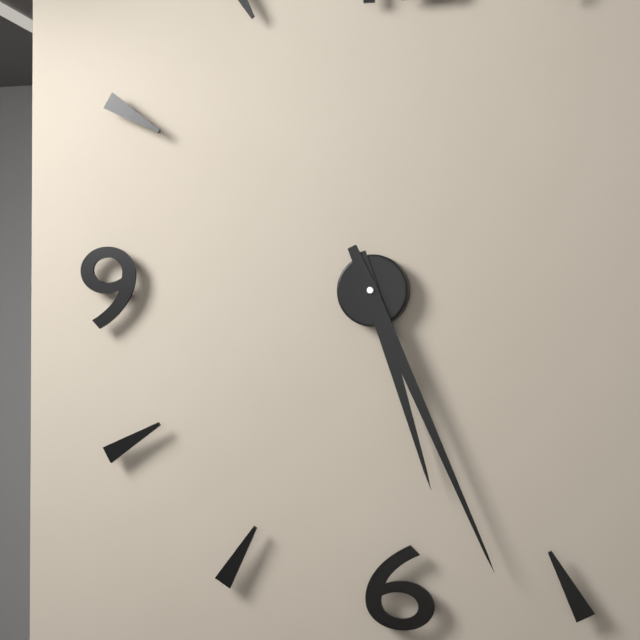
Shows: 5,26
